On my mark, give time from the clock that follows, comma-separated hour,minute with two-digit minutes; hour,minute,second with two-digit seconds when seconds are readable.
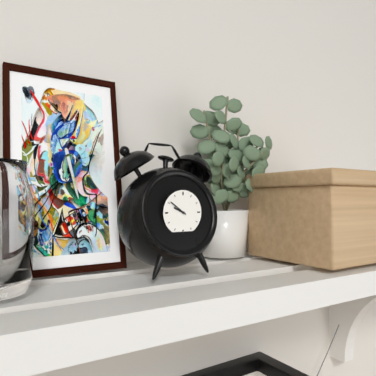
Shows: 9,51
